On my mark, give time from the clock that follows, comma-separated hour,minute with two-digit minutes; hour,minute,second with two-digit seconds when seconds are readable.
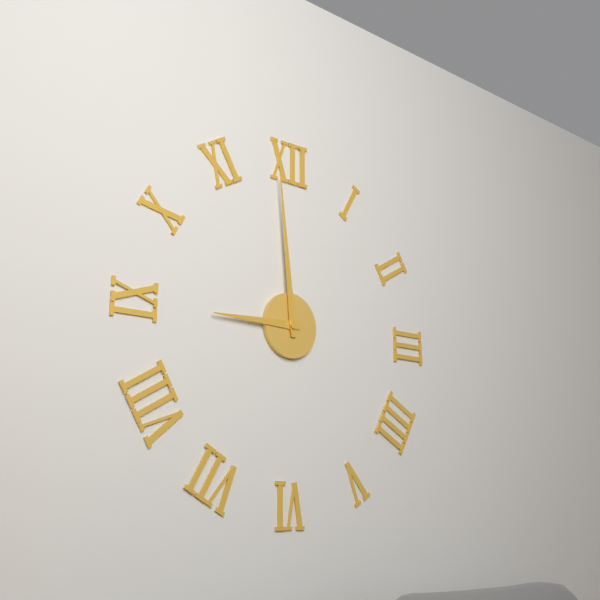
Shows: 8,59
